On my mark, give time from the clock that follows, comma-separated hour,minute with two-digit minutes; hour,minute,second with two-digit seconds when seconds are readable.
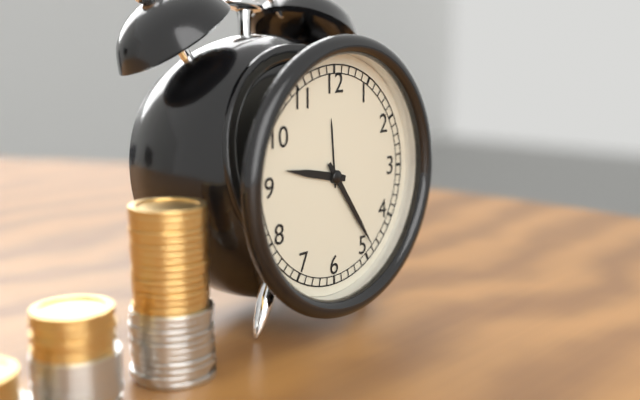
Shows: 9,24
